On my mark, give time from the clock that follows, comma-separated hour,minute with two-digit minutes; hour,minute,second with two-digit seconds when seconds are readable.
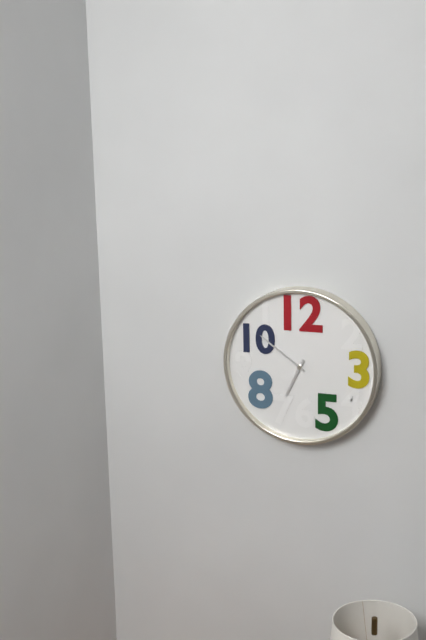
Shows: 6,51
